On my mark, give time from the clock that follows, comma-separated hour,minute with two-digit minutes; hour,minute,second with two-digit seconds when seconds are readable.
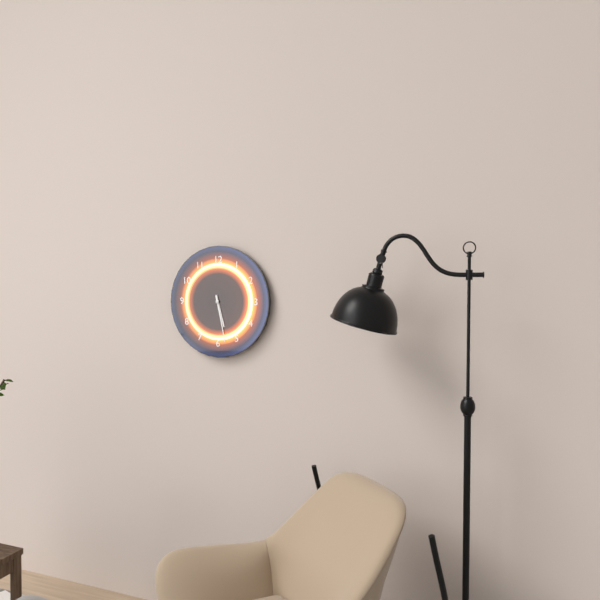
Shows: 5,28
